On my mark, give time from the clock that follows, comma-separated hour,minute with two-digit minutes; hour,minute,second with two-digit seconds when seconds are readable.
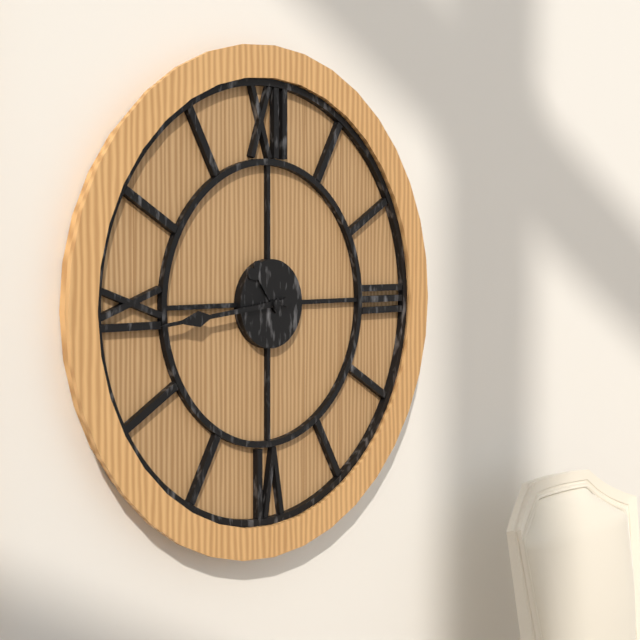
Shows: 10,44
